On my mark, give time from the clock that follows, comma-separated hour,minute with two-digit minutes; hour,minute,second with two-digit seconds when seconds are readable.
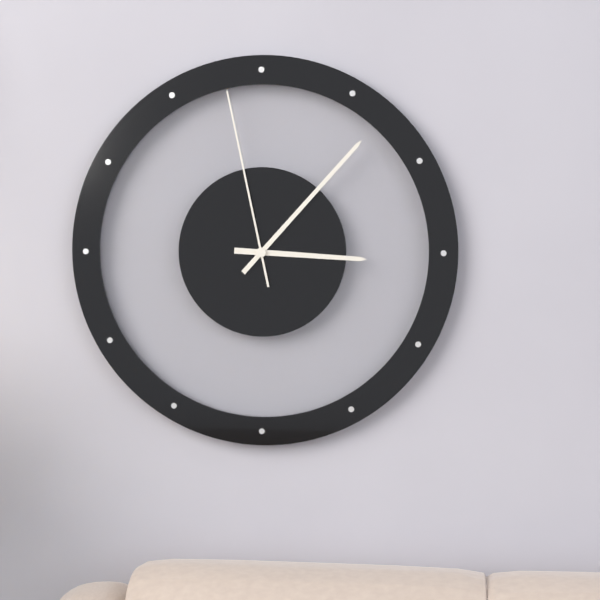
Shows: 3,07,58
